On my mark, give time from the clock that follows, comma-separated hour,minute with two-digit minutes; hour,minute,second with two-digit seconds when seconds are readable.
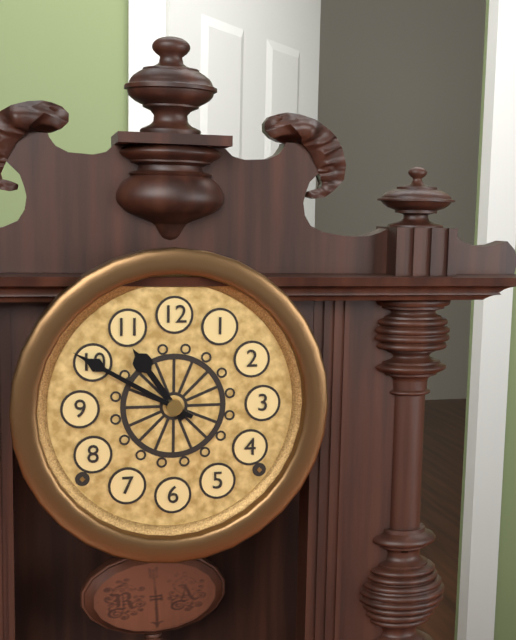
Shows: 10,50
